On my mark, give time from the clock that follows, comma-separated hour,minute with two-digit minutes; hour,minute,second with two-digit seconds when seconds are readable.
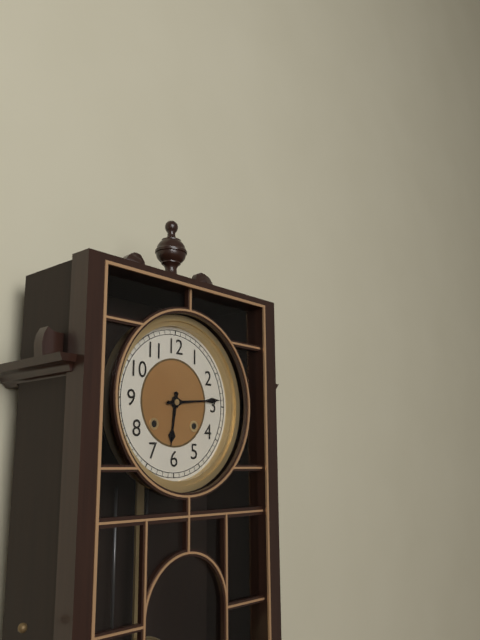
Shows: 6,14
